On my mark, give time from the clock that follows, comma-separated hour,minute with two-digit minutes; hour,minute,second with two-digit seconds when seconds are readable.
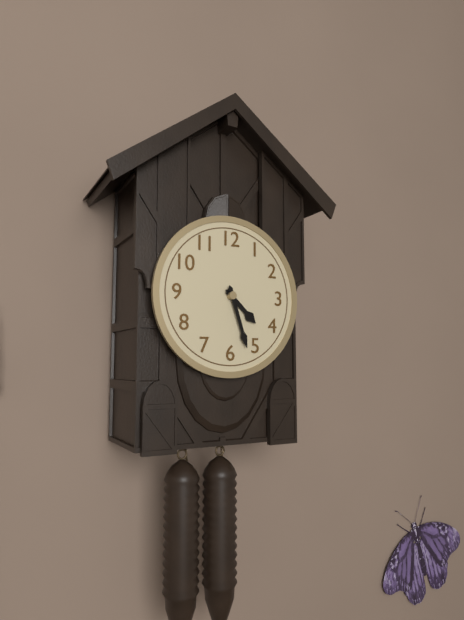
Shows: 4,27
